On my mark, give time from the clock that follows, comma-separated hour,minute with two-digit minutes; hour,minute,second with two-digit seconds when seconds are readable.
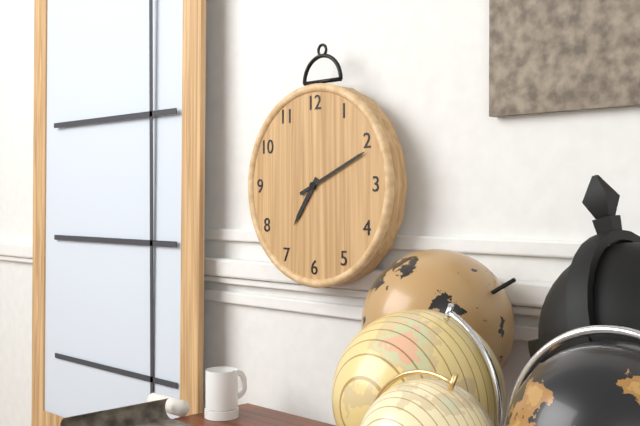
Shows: 7,11
